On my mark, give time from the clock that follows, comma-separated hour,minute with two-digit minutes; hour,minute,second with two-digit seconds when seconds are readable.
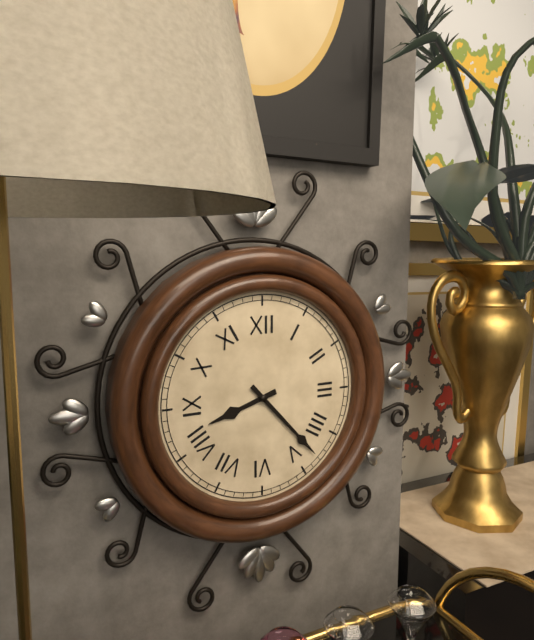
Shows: 8,23
